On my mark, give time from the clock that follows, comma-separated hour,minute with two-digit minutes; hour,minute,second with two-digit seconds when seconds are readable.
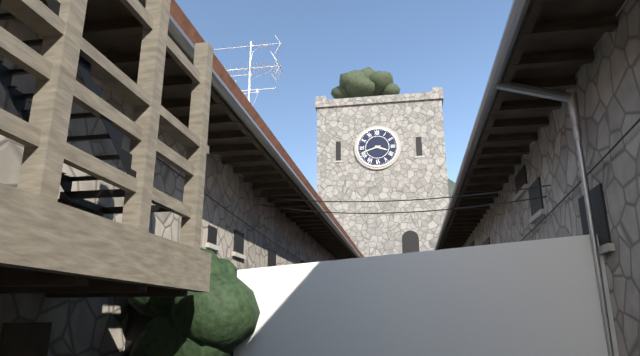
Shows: 3,42
